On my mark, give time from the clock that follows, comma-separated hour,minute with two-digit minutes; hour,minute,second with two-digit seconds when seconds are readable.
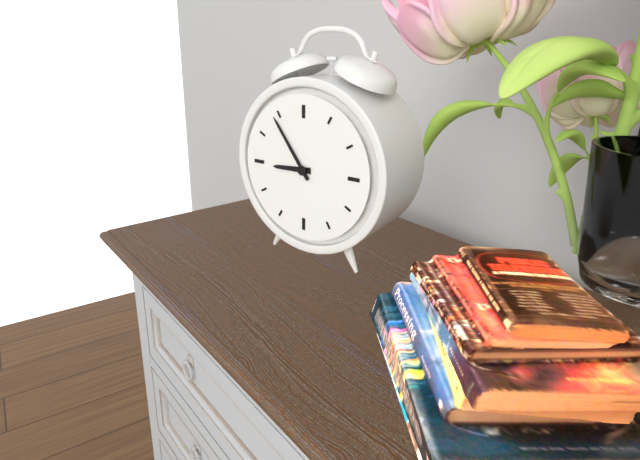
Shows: 8,54
